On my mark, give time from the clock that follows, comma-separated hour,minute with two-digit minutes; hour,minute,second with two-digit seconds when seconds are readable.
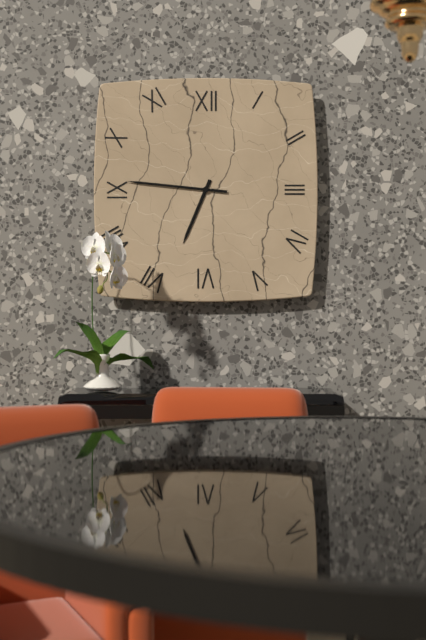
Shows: 6,46
